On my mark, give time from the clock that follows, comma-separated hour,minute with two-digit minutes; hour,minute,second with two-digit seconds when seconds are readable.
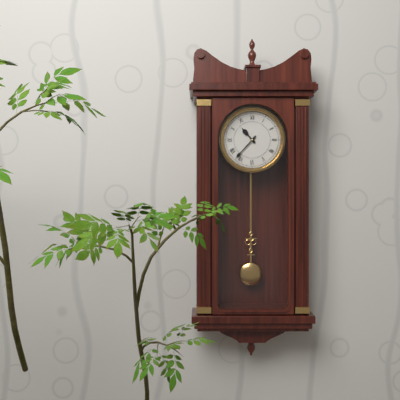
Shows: 10,37
